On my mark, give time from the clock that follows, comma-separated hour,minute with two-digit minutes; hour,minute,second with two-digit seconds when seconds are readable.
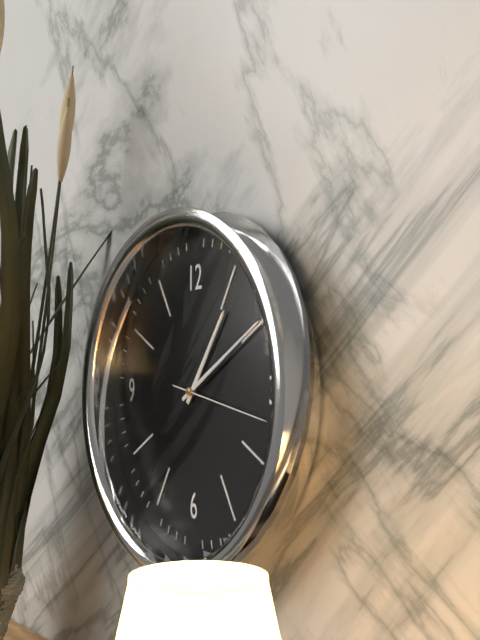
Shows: 1,10,17
